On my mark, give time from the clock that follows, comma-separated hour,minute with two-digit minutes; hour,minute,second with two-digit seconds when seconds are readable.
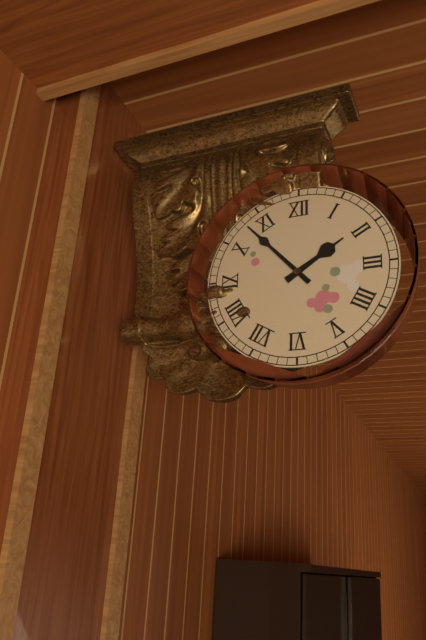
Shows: 1,53
